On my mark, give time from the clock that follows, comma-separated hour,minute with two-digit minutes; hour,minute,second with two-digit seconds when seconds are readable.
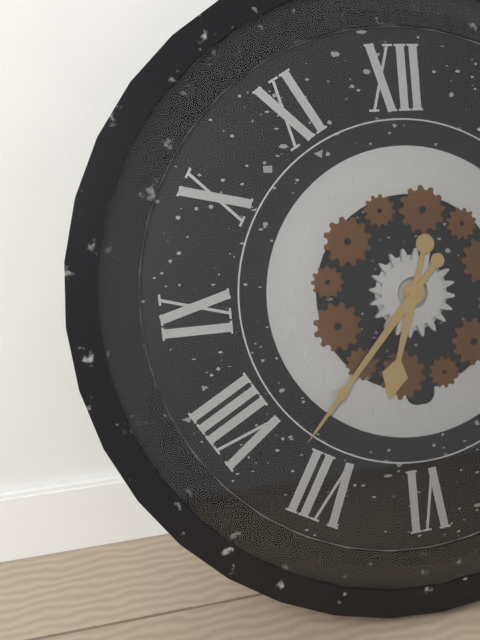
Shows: 6,37
